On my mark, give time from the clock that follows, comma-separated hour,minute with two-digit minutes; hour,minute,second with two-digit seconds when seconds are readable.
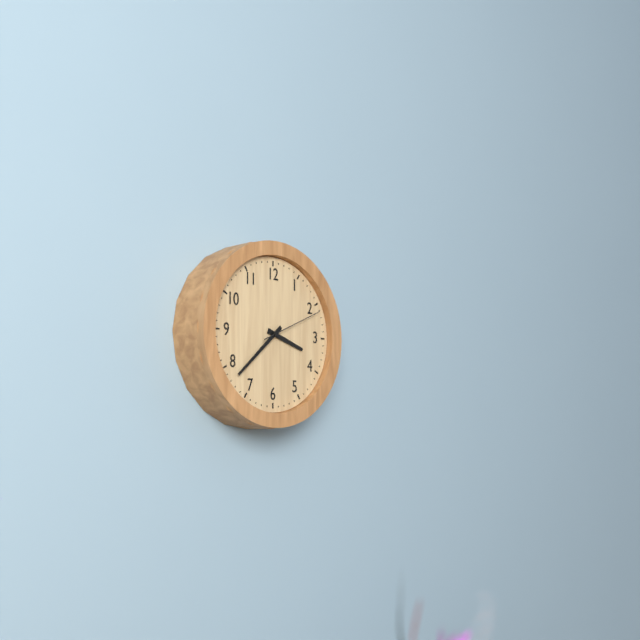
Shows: 3,38,11
